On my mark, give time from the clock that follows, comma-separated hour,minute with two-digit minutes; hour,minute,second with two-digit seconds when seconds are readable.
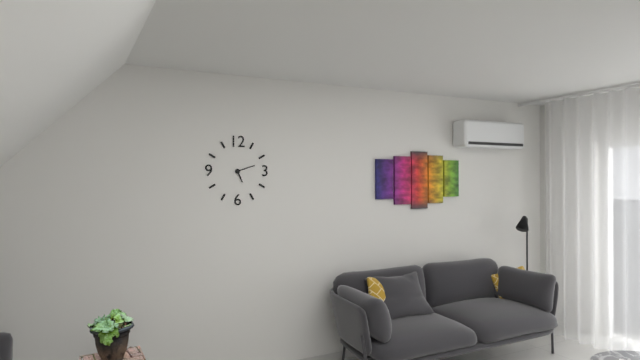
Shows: 5,12
